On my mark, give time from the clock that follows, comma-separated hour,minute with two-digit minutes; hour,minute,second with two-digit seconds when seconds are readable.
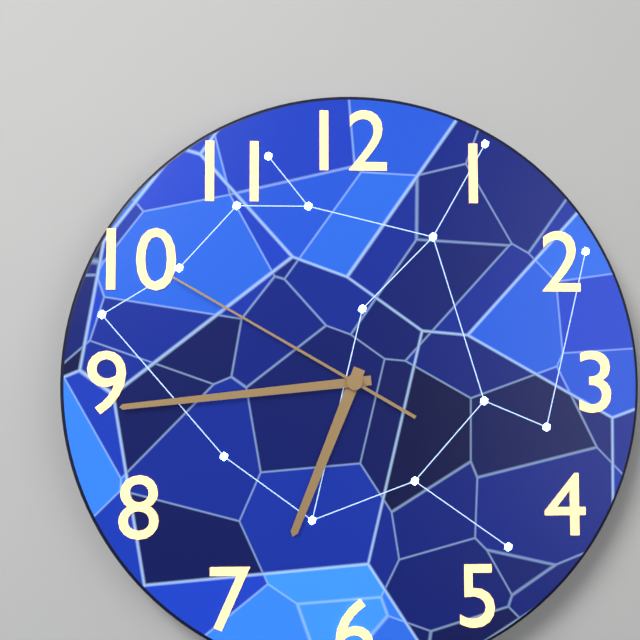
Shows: 6,44,50
